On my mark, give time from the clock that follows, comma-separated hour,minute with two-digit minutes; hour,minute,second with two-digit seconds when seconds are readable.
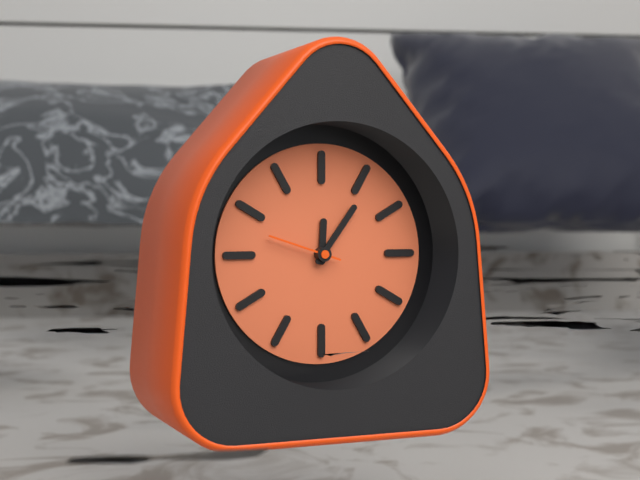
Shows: 12,06,48
